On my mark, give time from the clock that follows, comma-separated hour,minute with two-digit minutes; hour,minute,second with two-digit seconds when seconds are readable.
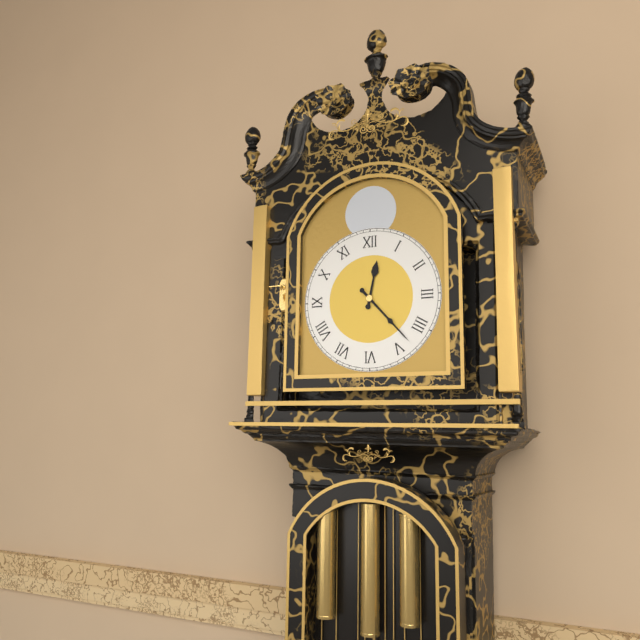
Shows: 12,23
